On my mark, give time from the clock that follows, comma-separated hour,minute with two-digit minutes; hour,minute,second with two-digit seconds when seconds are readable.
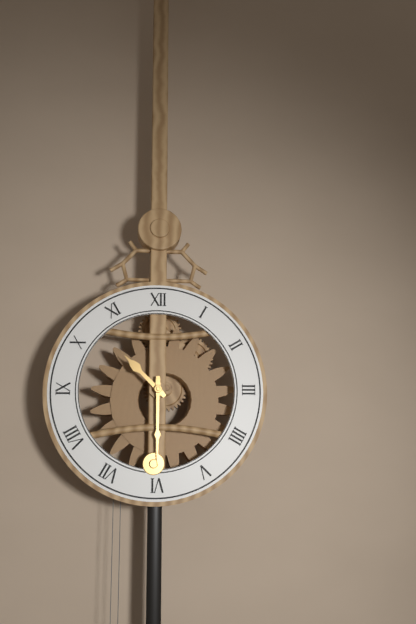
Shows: 10,30
